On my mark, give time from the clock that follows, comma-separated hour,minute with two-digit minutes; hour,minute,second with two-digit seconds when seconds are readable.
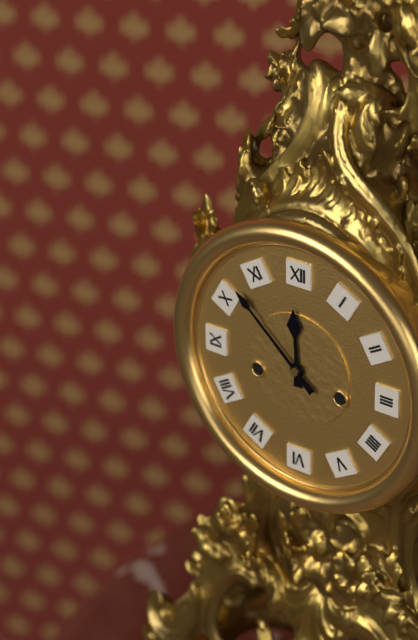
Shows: 11,52
